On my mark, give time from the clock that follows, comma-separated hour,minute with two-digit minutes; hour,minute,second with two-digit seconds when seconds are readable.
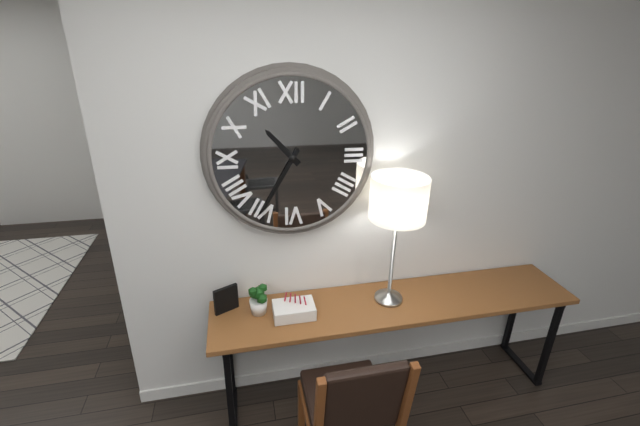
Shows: 10,35
